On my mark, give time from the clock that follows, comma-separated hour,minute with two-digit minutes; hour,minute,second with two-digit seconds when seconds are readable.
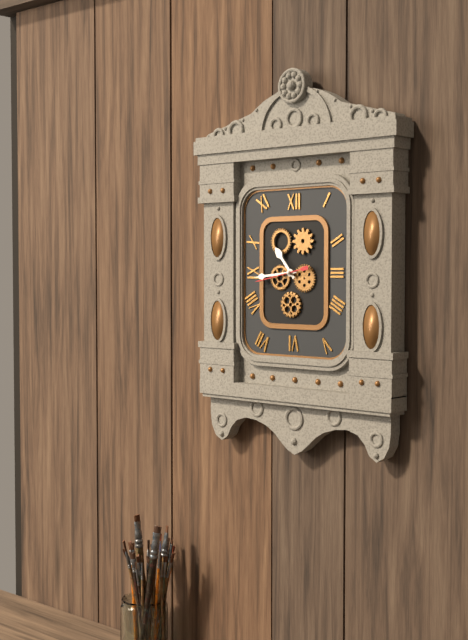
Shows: 10,44
